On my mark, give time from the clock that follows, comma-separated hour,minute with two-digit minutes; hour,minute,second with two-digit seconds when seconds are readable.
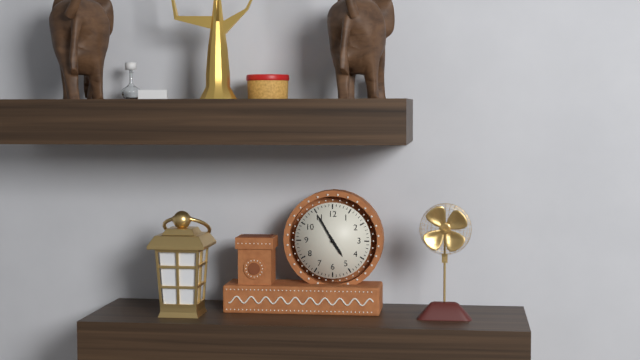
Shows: 4,55
